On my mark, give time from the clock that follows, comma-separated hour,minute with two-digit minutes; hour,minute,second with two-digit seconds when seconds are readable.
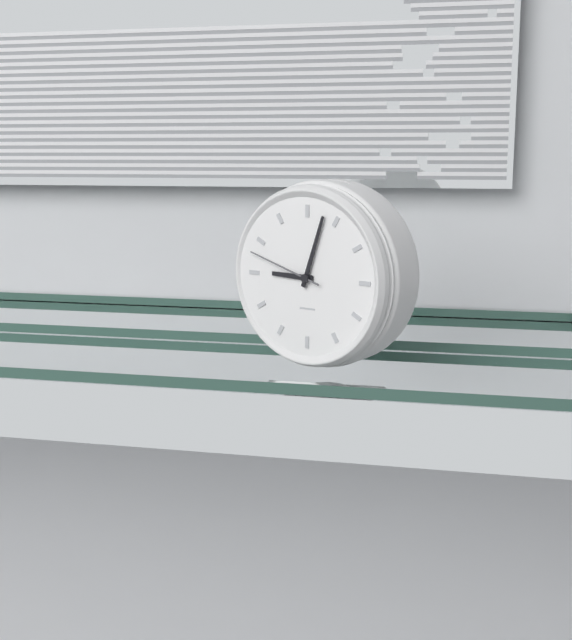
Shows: 9,03,48
